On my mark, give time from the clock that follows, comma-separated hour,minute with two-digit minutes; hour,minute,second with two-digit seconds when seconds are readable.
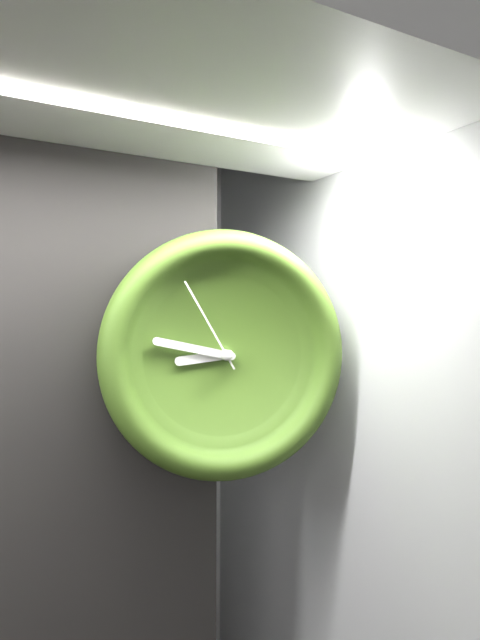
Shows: 8,47,55
